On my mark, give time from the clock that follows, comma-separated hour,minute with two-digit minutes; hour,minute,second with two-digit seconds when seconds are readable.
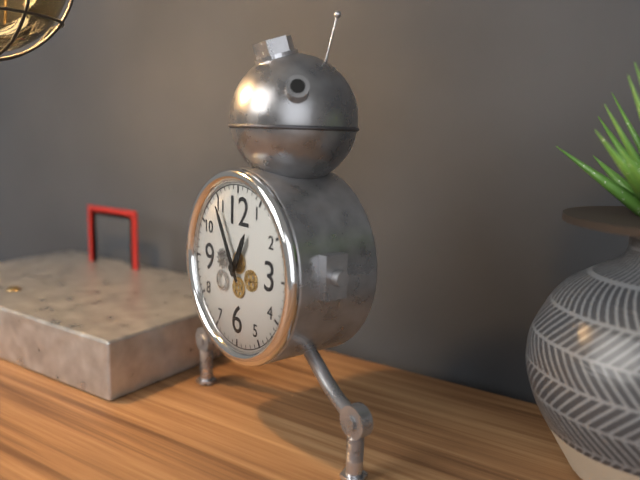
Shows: 12,55
